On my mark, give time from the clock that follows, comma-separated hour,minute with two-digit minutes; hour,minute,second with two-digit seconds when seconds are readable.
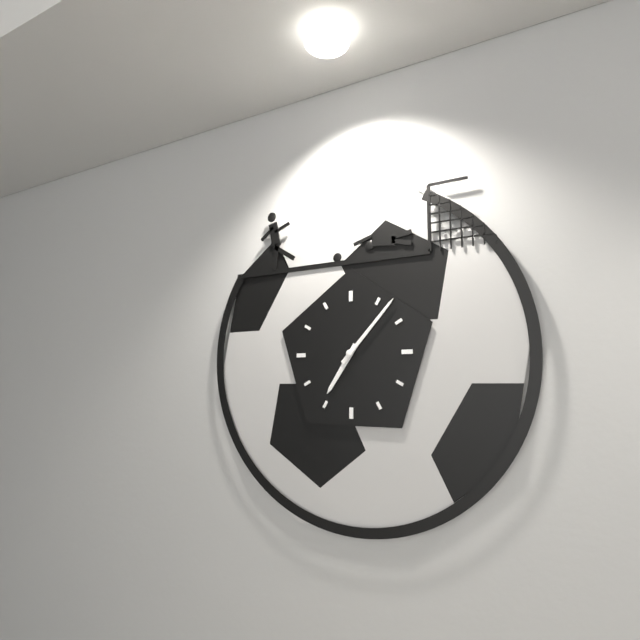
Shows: 7,07
